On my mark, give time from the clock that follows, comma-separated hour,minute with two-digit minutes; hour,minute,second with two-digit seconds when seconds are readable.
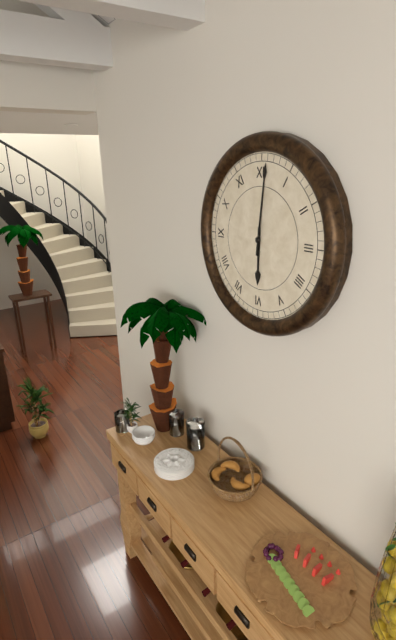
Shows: 6,01
